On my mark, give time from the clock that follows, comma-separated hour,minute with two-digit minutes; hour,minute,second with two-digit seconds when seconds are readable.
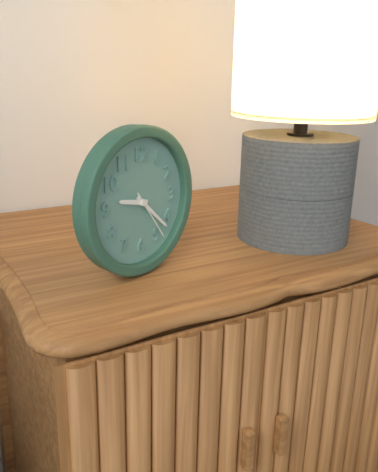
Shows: 9,22
